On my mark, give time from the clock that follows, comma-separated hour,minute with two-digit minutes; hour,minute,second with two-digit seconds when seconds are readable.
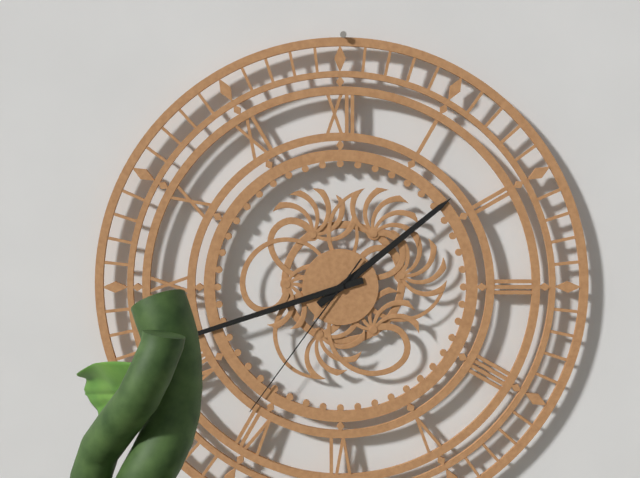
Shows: 1,42,36
